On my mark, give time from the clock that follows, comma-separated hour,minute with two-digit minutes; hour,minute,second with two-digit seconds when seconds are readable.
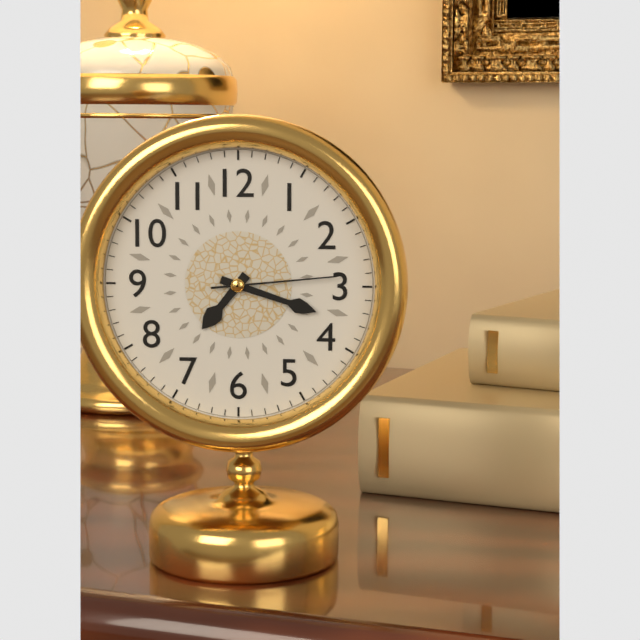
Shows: 7,18,14
